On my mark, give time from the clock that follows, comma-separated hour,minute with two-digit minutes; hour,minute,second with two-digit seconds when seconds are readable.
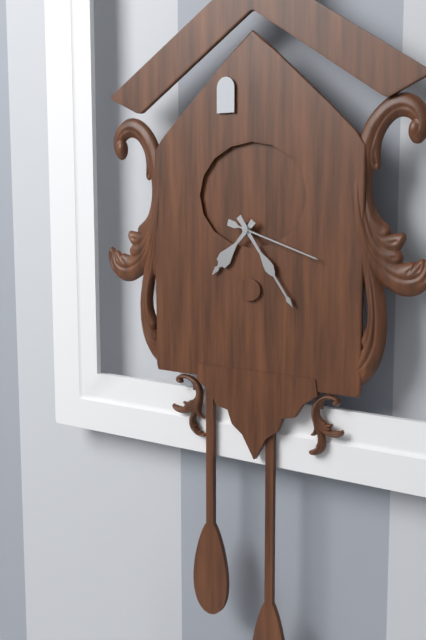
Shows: 7,24,18
